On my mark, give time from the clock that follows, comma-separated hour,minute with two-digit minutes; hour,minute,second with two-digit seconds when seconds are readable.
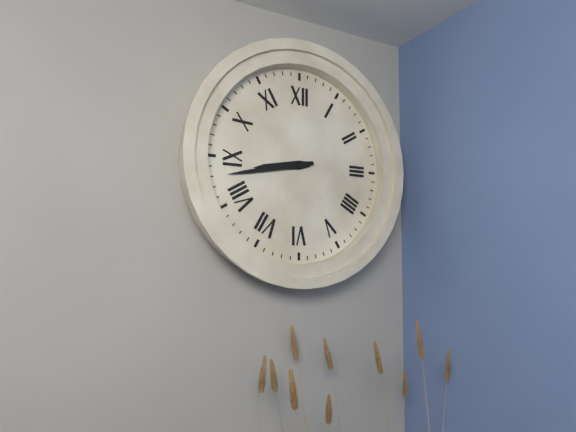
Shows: 8,43
